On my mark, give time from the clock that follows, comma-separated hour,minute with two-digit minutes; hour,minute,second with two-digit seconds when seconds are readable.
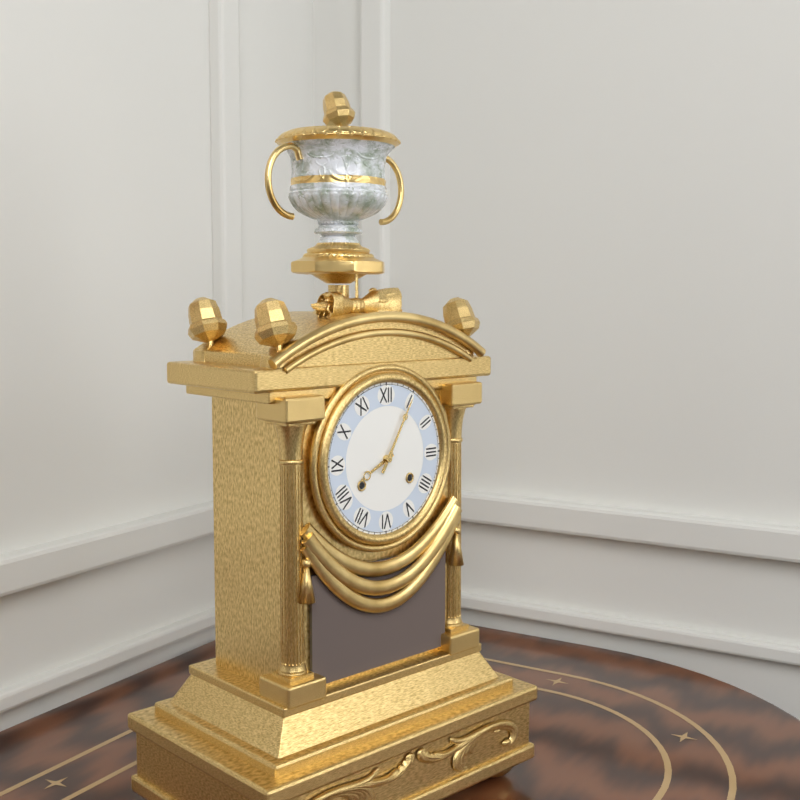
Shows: 8,05
